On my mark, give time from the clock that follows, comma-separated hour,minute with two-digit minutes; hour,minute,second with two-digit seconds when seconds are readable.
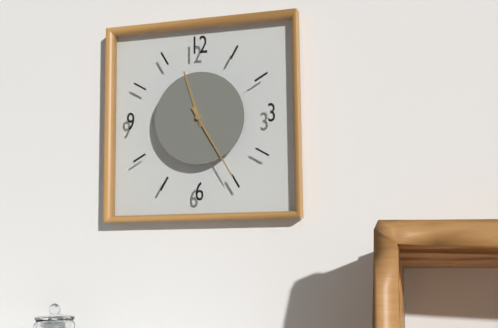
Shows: 11,25
